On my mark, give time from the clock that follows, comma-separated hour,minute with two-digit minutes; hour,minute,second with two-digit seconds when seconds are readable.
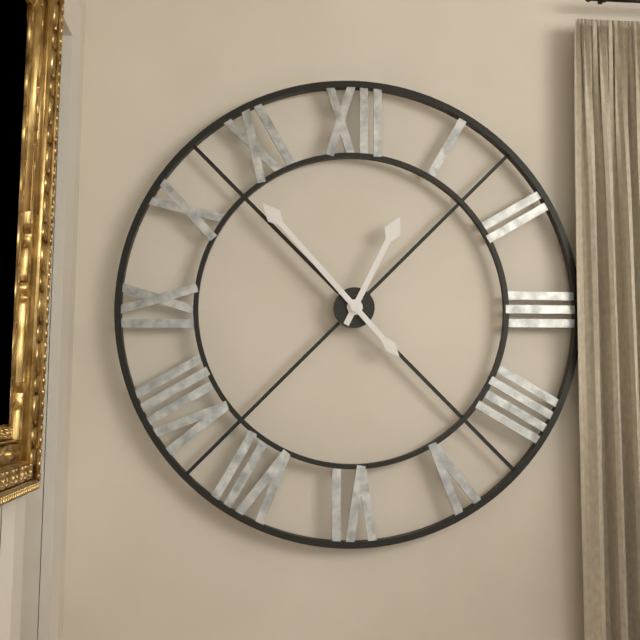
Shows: 12,53
